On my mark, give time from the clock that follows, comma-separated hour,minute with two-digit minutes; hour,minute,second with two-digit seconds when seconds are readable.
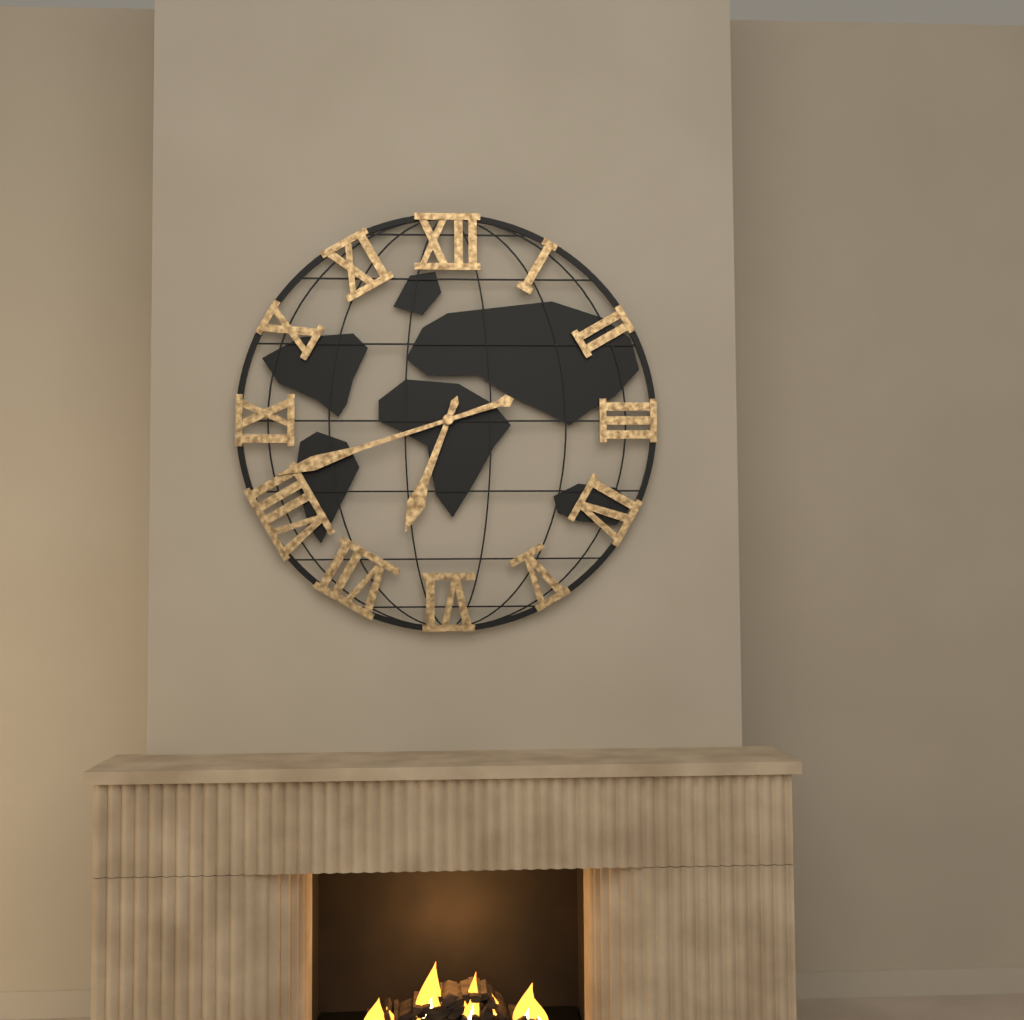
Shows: 6,42
